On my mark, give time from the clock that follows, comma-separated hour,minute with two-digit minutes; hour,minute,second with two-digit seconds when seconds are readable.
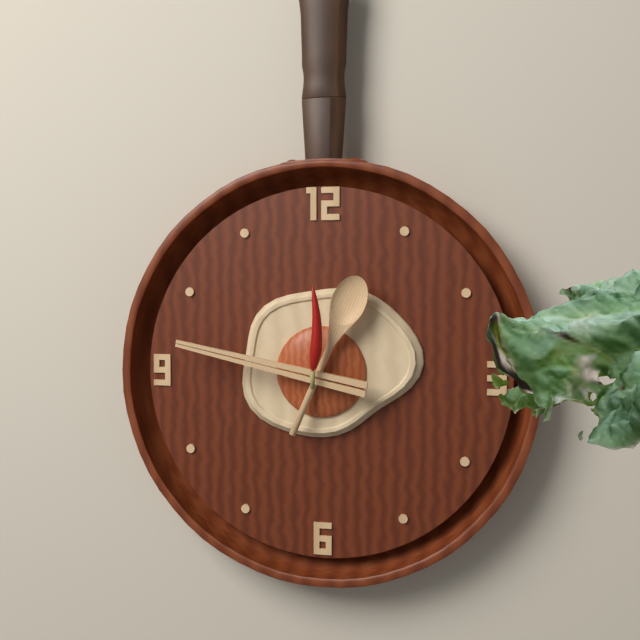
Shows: 12,47,00
